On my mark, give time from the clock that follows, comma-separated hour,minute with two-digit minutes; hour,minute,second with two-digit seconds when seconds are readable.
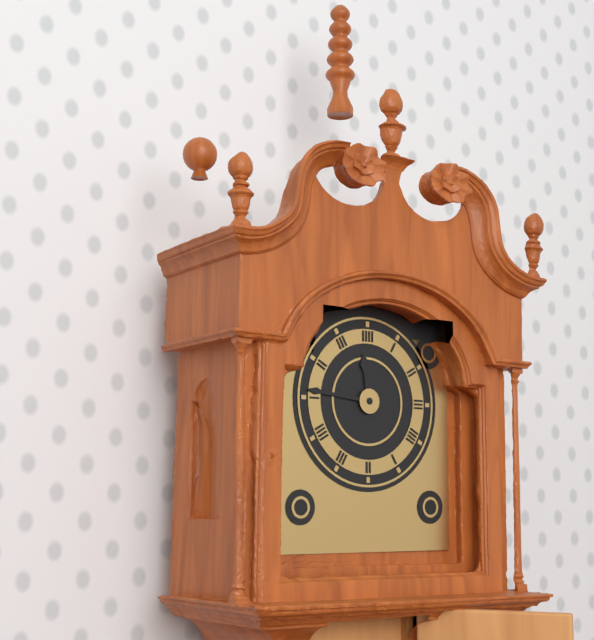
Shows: 11,46
